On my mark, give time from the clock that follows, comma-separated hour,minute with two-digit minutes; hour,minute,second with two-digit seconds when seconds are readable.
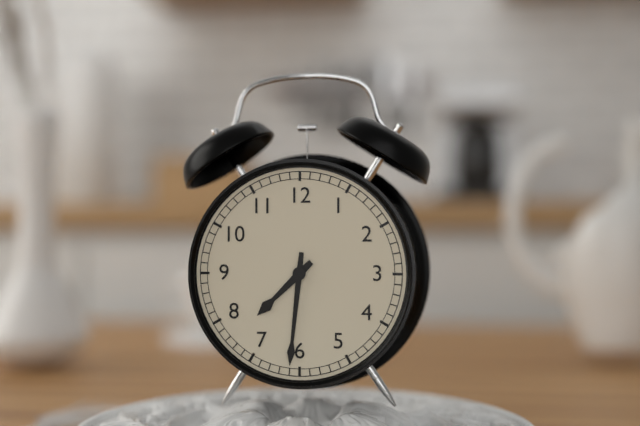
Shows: 7,31
